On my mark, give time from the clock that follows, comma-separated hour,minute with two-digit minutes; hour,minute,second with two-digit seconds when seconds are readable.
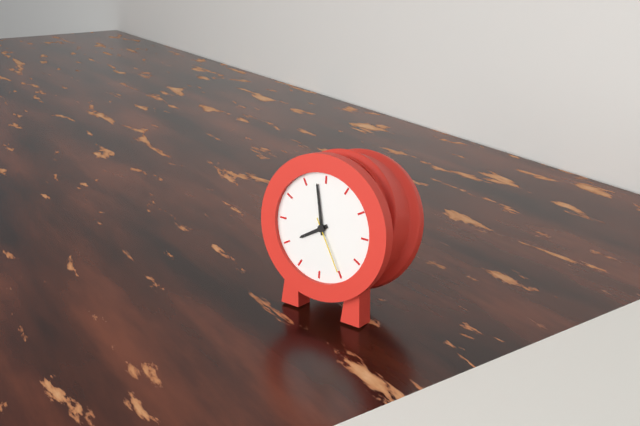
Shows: 7,58,25
